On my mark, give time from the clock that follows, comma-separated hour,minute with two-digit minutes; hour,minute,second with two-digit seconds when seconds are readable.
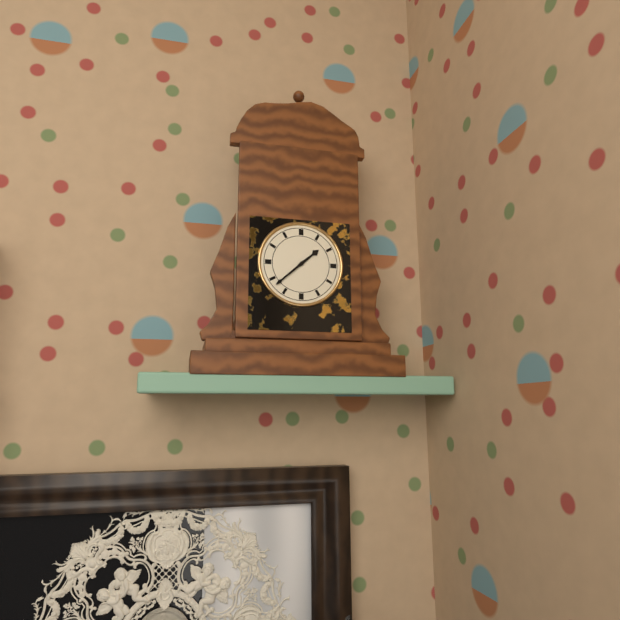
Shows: 1,38
